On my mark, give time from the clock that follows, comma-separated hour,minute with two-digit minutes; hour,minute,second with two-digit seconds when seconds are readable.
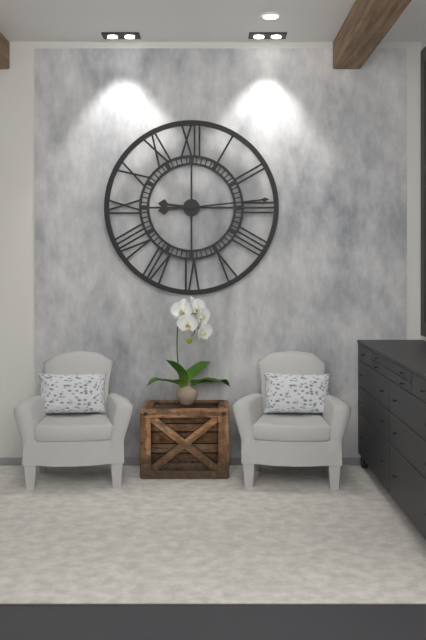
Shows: 9,14
